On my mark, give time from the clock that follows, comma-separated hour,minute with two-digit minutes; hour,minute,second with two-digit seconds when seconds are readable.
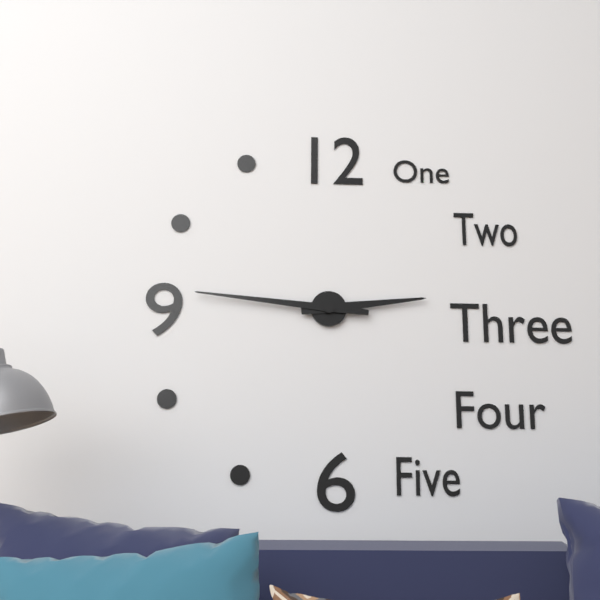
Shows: 2,46
